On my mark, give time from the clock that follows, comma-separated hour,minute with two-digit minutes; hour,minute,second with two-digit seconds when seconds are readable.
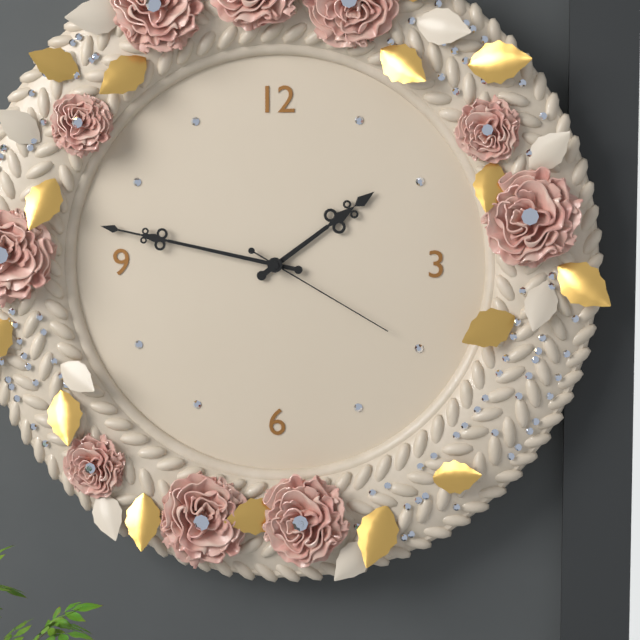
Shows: 1,47,20
